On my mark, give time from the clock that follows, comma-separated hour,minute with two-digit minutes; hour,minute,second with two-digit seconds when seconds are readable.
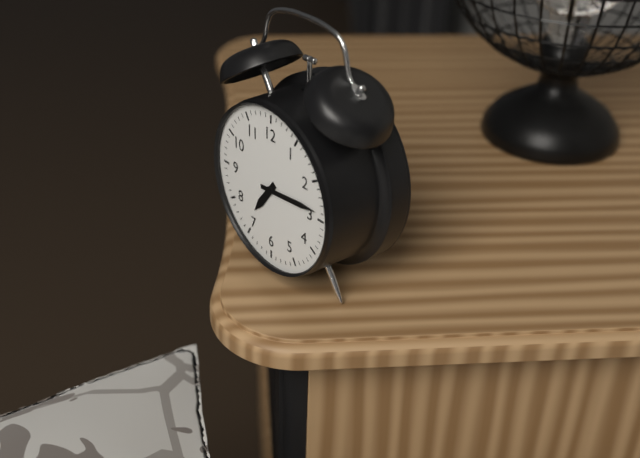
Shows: 7,14
